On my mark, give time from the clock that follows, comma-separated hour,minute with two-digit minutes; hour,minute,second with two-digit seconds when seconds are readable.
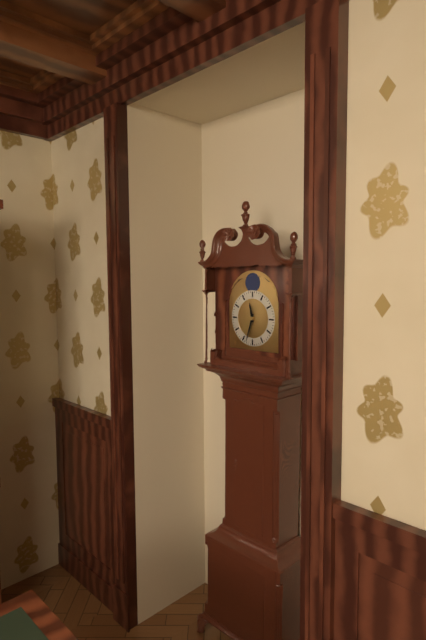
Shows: 11,33
